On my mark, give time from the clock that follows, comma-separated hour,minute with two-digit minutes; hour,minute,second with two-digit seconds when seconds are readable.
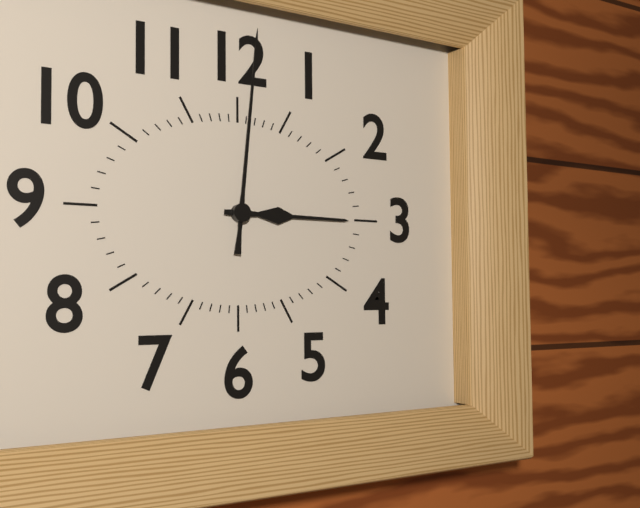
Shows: 3,01
